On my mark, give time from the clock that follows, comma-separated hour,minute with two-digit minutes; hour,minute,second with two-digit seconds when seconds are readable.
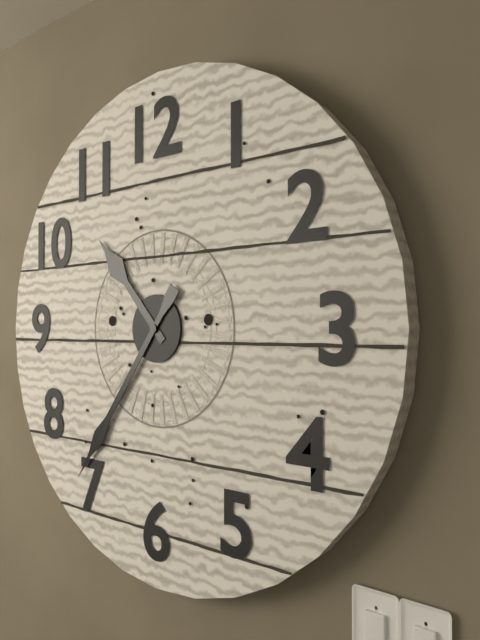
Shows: 10,36
